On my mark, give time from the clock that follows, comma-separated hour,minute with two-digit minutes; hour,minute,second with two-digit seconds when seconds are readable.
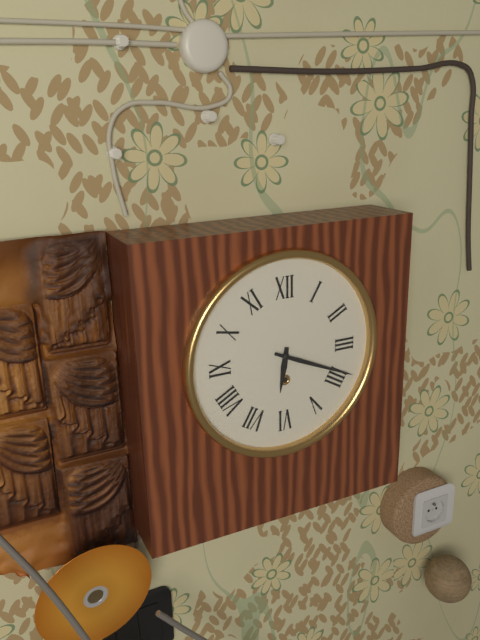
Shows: 6,19
